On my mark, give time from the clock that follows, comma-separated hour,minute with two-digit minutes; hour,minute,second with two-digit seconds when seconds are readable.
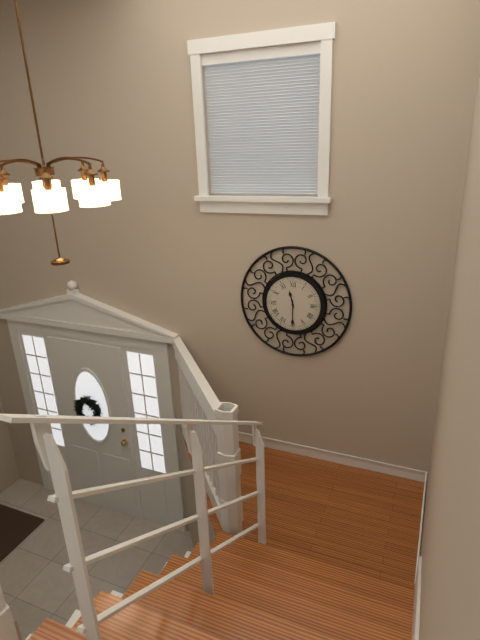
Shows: 11,30
